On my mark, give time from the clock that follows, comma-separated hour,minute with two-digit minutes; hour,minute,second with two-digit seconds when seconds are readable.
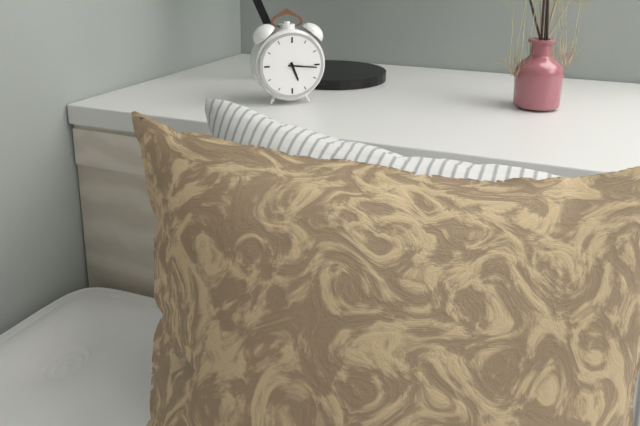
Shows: 5,16
